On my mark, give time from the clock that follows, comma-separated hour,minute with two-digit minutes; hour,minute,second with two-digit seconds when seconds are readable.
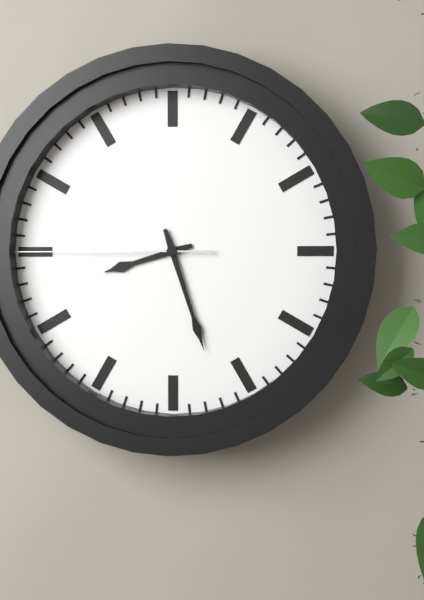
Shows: 8,27,45
